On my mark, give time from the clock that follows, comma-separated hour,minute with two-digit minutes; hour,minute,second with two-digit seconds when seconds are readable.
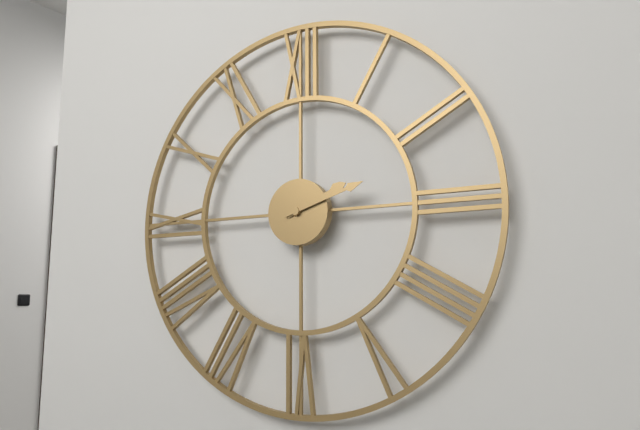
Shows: 2,12
